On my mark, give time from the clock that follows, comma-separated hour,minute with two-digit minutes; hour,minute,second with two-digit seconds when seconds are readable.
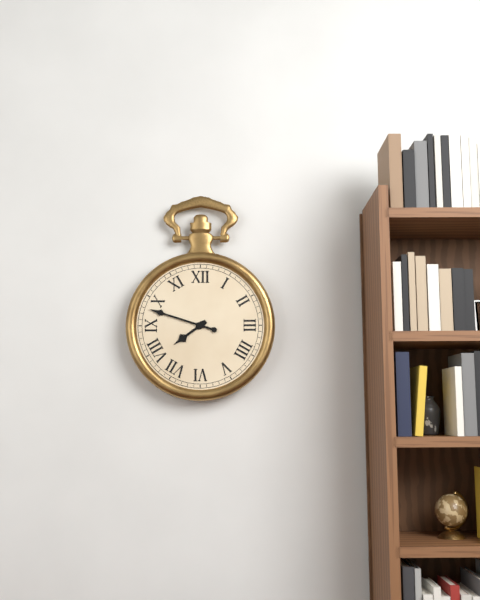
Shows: 7,48
